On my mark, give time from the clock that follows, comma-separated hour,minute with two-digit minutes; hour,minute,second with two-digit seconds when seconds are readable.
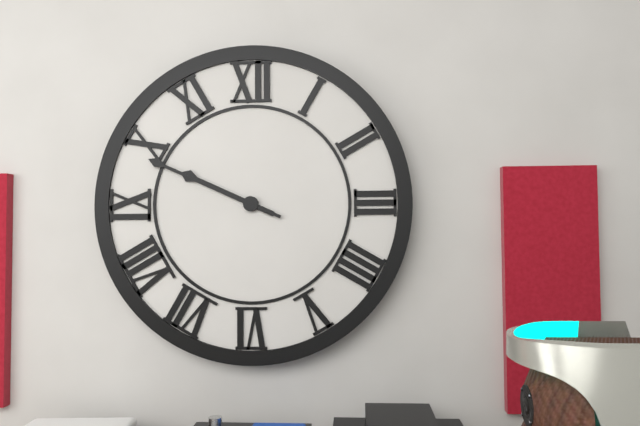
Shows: 9,49
